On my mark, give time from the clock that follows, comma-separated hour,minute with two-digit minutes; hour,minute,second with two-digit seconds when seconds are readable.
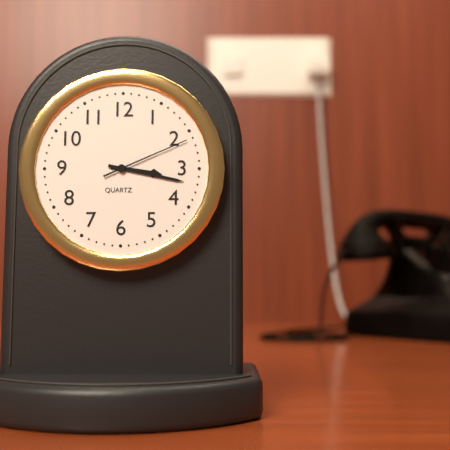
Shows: 3,17,11
